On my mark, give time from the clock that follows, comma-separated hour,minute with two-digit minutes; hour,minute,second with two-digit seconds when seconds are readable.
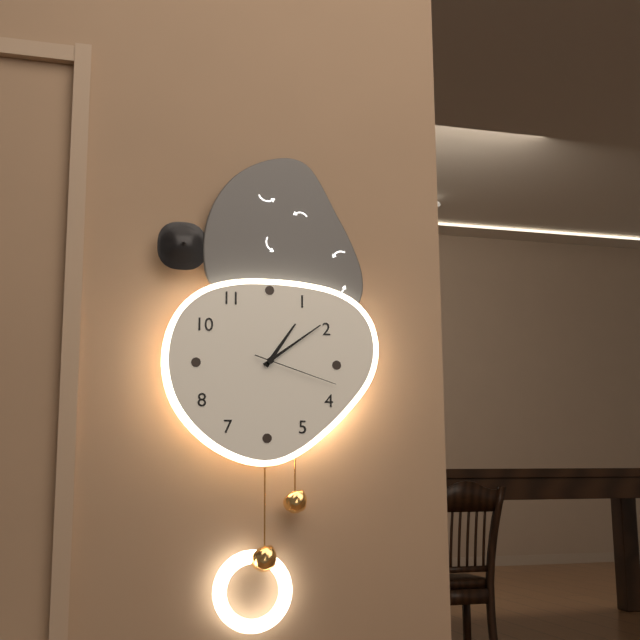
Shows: 1,09,18
